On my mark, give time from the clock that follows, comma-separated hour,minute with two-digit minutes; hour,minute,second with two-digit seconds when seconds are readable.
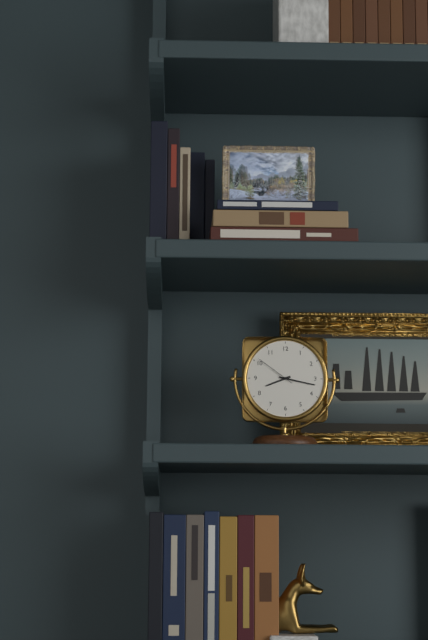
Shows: 8,17
